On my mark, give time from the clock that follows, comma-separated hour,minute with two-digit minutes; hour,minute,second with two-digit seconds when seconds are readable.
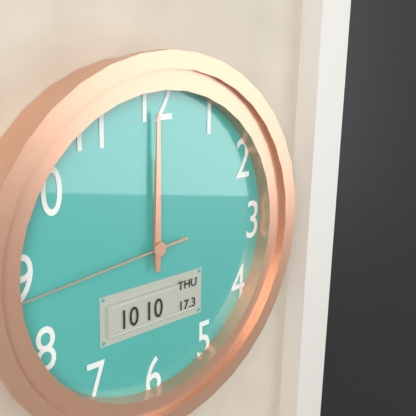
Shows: 12,00,44
